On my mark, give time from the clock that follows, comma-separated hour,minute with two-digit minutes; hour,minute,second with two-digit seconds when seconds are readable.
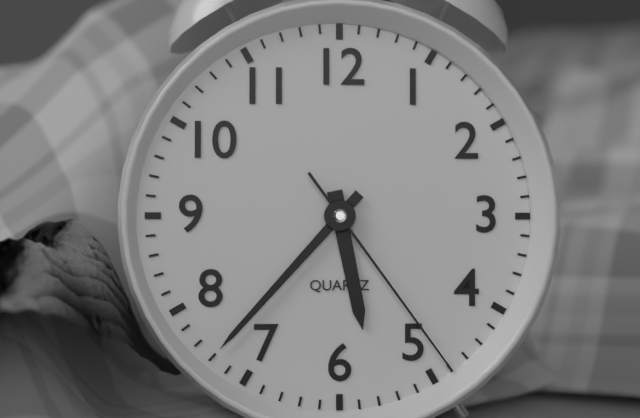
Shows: 5,37,24
